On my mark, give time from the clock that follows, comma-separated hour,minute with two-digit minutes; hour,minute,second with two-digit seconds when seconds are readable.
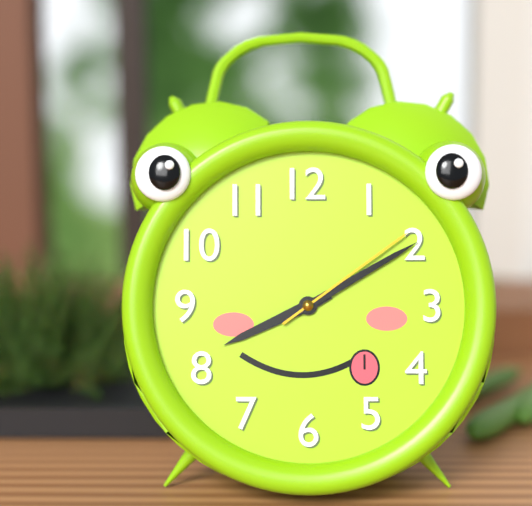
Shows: 8,10,09
